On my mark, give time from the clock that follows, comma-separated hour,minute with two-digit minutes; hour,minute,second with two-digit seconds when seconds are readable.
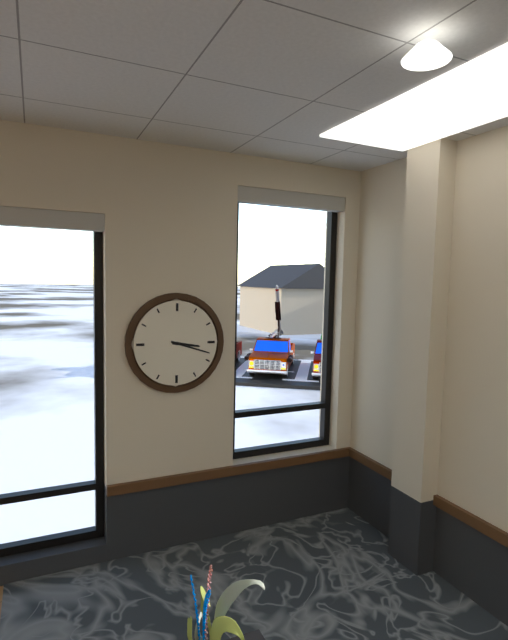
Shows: 3,18
